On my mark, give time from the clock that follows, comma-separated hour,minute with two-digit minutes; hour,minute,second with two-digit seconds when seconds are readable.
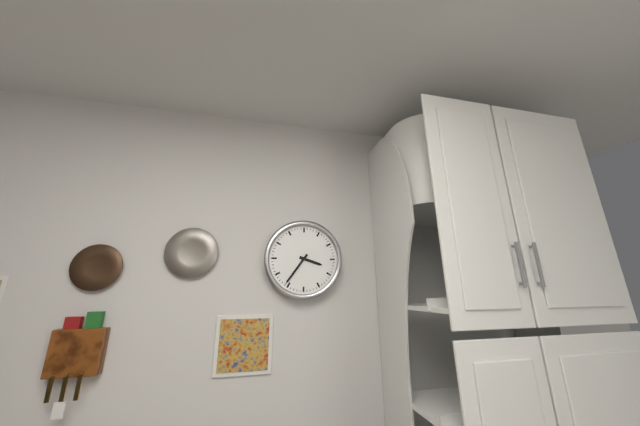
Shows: 3,36
